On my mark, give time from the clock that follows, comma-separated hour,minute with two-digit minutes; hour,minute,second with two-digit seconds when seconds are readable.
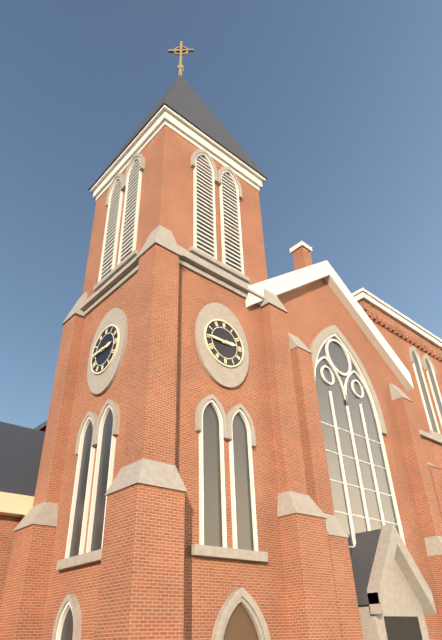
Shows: 2,45
